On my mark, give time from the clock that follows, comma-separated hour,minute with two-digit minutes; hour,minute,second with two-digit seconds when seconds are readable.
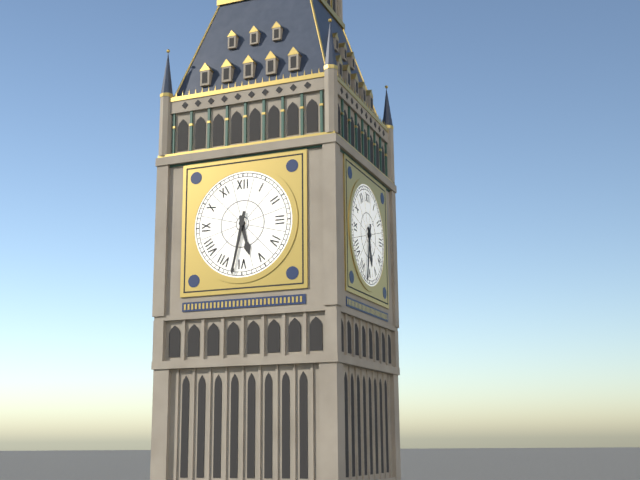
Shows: 5,32
